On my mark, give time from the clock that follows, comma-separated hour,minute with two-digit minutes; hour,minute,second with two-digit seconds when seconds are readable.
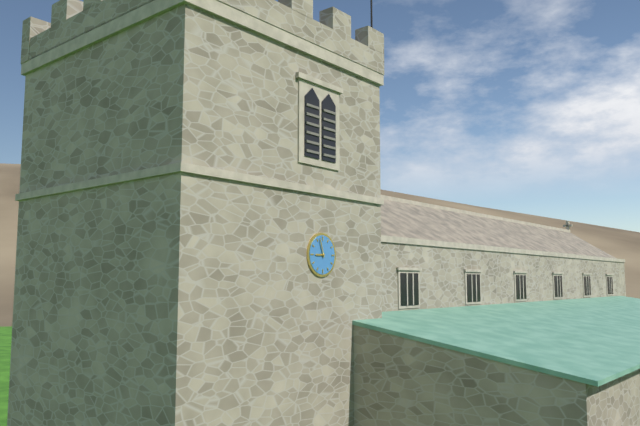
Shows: 8,57
